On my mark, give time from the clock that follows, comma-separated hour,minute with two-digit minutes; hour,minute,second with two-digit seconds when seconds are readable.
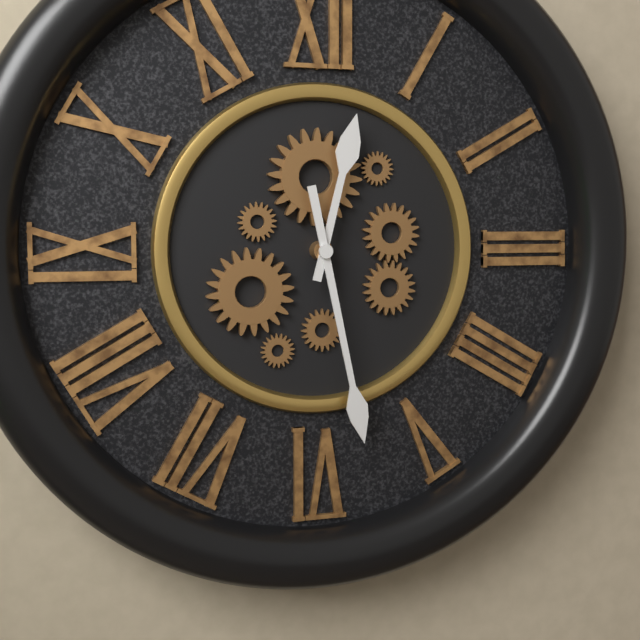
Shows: 12,28
